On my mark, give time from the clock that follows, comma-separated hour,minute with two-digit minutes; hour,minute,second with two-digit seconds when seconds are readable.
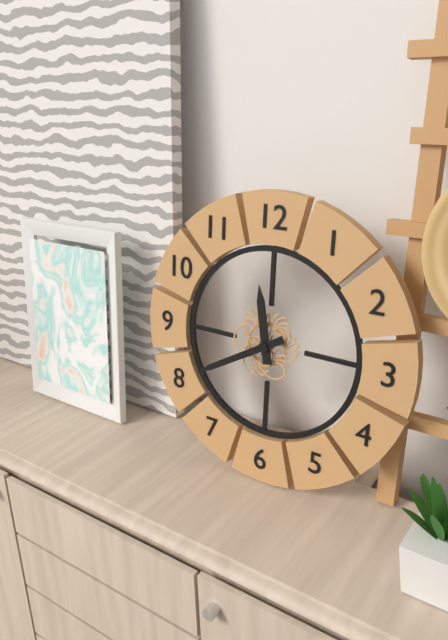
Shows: 11,40
